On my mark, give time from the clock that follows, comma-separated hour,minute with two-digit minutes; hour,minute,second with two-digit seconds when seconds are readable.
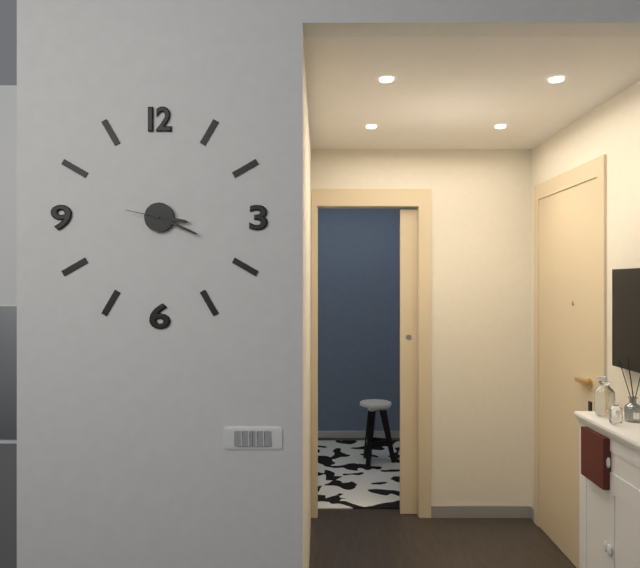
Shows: 3,19
